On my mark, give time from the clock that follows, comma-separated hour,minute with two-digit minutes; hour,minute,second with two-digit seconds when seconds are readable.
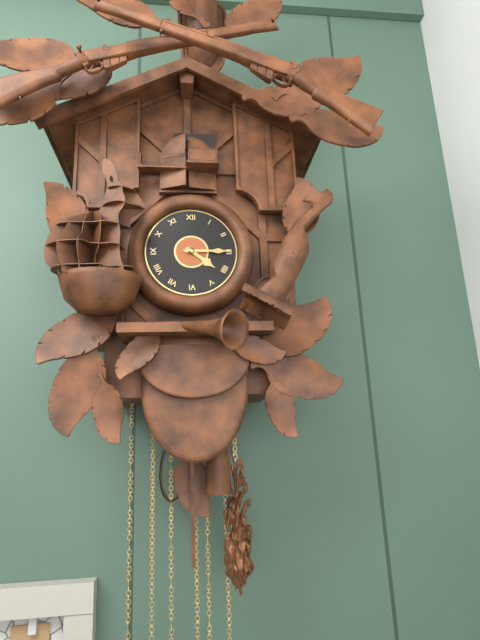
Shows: 4,15
